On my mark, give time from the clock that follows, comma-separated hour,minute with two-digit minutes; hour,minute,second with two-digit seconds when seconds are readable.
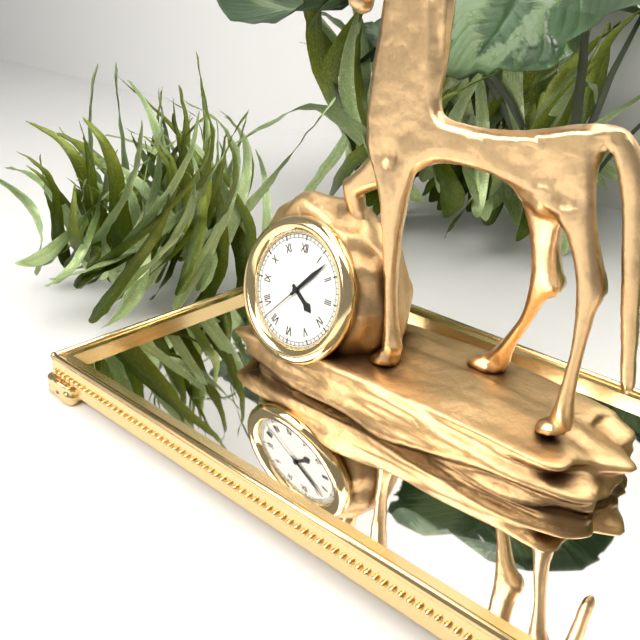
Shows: 4,07,37
